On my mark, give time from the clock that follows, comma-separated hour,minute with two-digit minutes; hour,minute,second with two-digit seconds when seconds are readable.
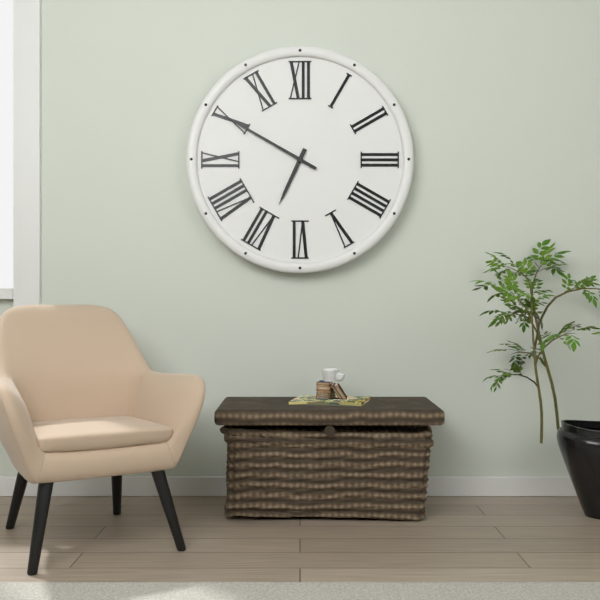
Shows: 6,50
